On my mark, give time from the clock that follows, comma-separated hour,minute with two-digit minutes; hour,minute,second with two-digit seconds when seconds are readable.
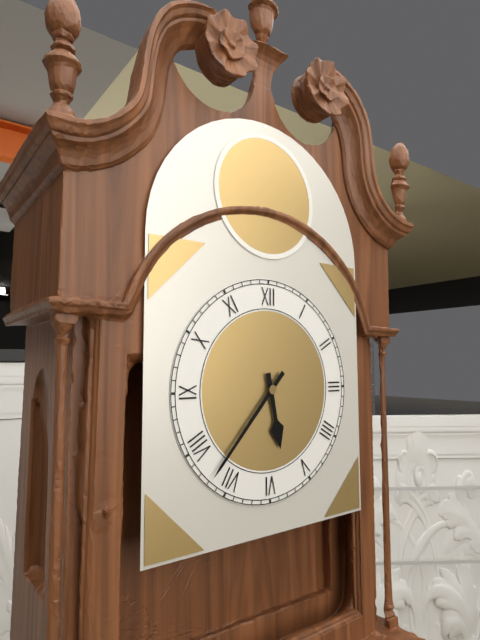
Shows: 5,37
